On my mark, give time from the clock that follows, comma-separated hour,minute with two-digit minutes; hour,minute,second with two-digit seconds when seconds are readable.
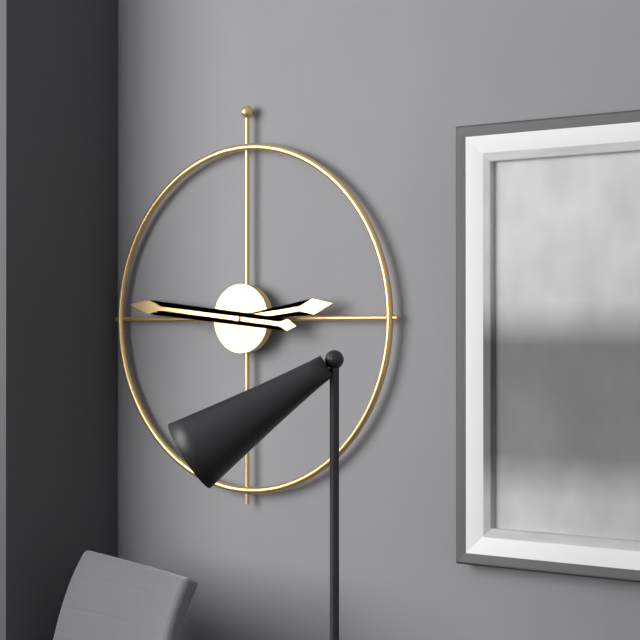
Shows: 2,46
